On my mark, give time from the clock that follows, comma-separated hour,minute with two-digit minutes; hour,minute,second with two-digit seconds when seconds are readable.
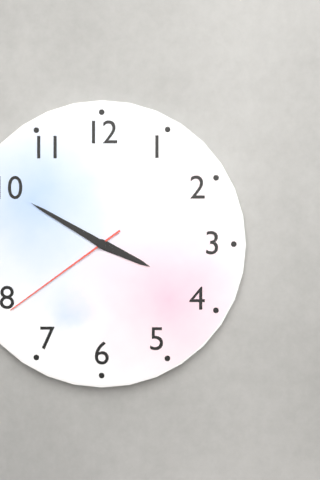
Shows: 3,50,39
